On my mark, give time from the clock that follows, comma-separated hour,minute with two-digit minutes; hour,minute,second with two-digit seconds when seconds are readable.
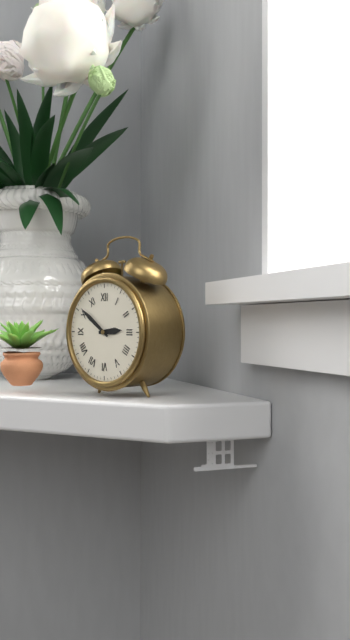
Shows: 2,51
